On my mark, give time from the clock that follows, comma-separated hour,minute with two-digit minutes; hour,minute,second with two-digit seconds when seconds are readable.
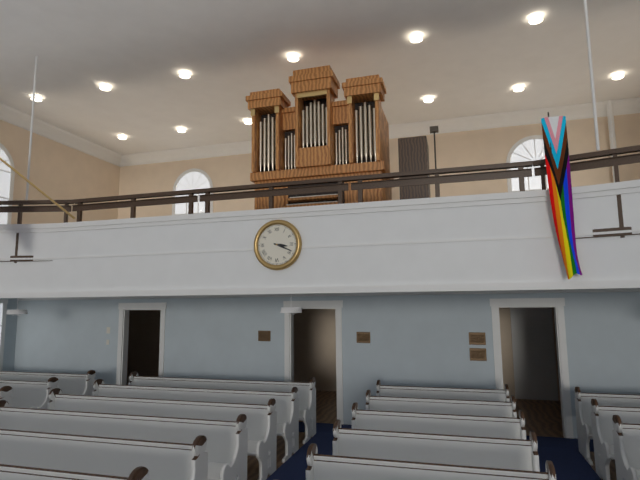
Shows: 3,19
